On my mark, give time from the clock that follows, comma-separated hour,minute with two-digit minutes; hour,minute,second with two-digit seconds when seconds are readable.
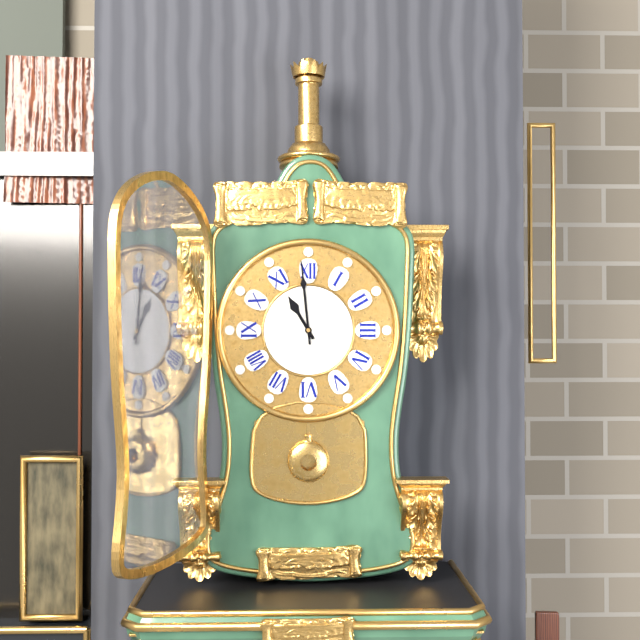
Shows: 10,59
